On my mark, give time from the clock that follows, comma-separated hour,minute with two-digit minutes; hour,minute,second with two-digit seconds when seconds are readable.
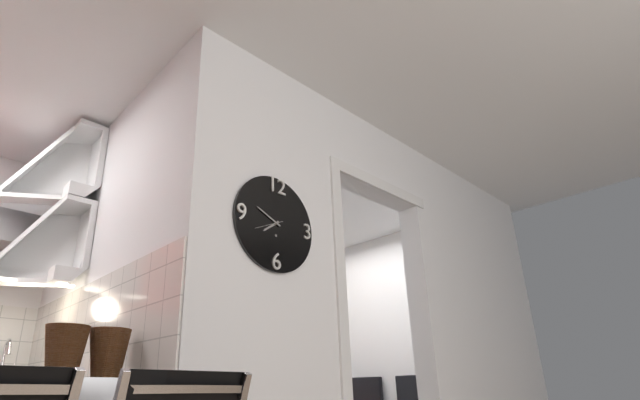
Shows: 7,49
